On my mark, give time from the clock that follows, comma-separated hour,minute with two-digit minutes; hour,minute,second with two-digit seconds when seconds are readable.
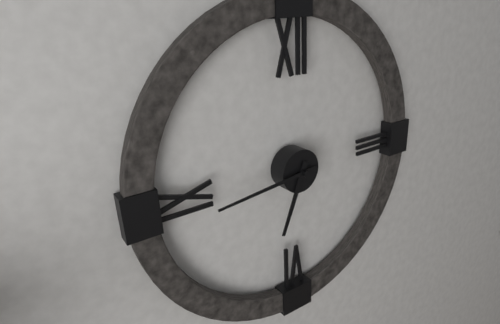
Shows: 6,44
